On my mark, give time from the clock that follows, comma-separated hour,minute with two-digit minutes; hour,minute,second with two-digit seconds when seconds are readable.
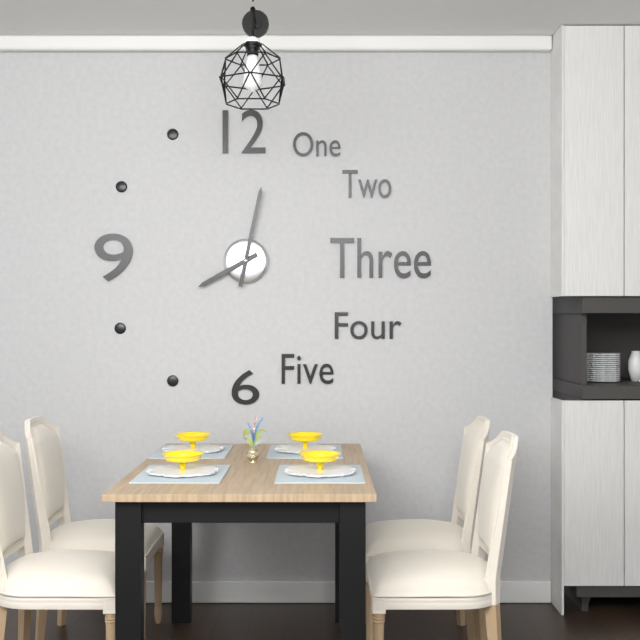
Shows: 8,02
